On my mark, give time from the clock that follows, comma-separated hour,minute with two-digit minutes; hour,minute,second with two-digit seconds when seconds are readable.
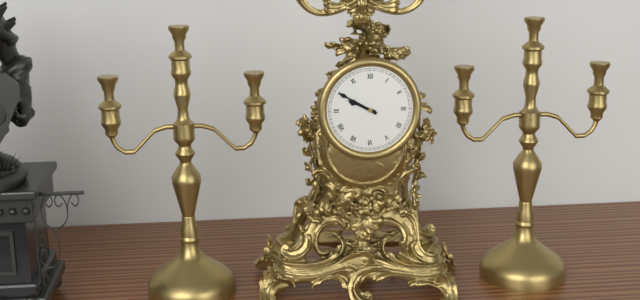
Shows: 9,50
